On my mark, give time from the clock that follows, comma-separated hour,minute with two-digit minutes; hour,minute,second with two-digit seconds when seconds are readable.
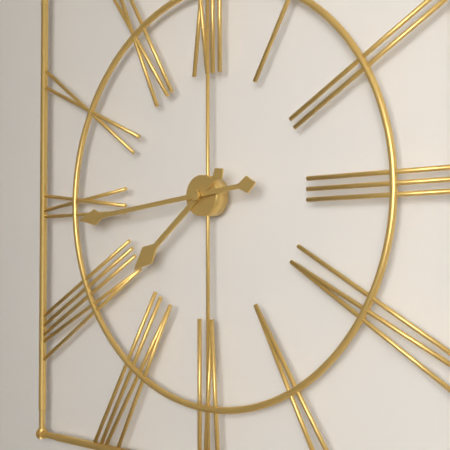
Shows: 7,44
